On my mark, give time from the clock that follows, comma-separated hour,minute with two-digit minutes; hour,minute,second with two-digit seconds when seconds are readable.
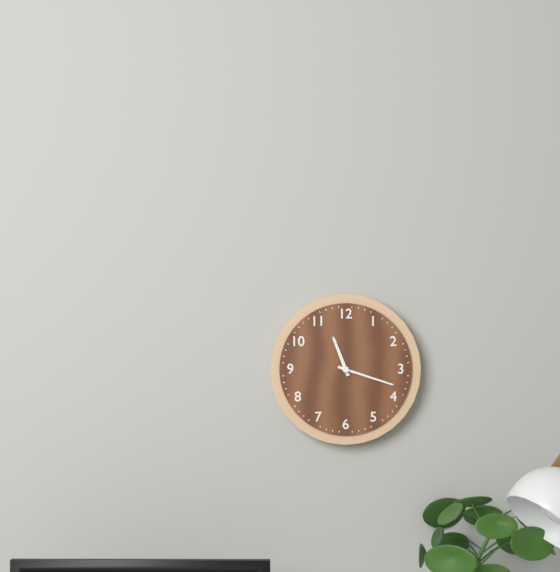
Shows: 11,18
